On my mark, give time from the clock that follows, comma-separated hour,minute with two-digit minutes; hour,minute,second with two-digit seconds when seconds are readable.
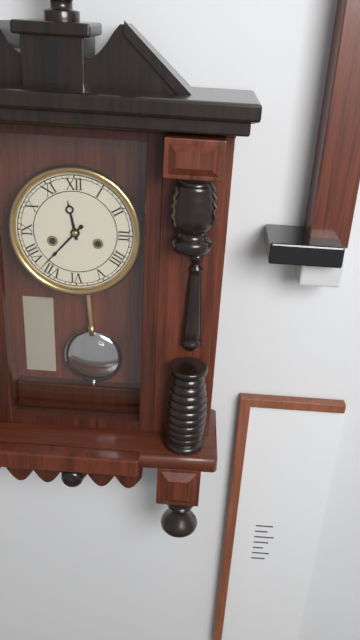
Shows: 11,37
